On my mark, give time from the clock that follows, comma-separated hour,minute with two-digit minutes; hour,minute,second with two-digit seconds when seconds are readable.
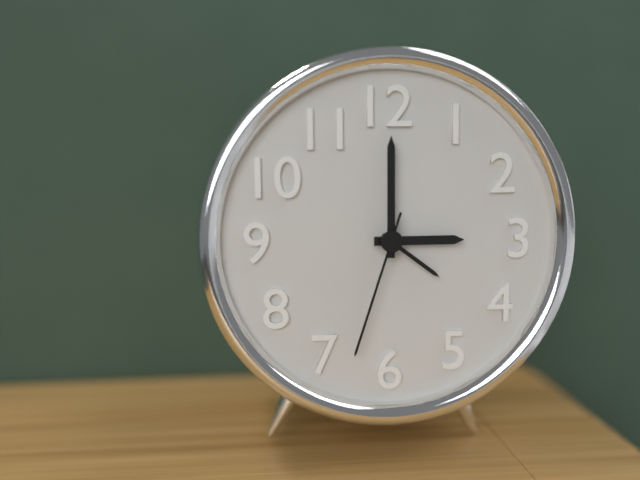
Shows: 3,00,33
